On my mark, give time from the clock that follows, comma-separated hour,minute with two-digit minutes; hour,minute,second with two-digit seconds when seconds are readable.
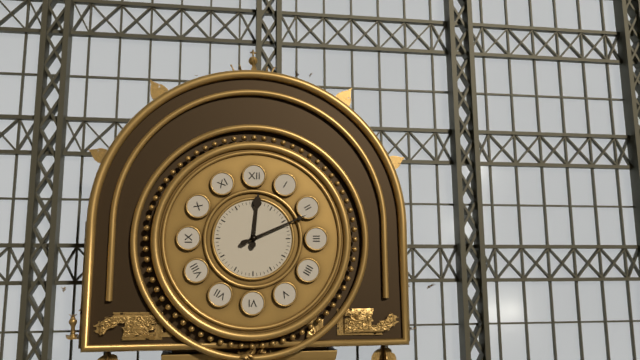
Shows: 12,11
